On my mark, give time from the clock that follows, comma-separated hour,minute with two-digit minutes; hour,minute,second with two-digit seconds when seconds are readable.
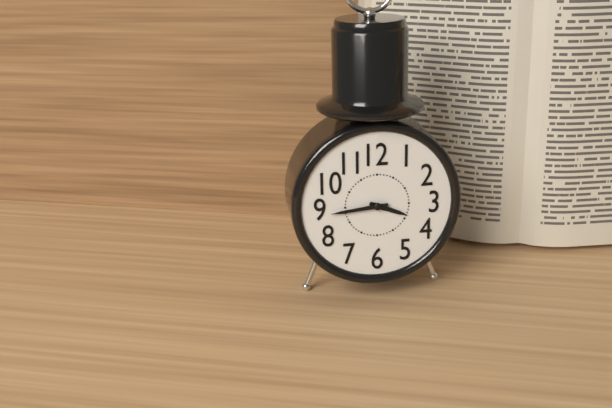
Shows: 3,44
